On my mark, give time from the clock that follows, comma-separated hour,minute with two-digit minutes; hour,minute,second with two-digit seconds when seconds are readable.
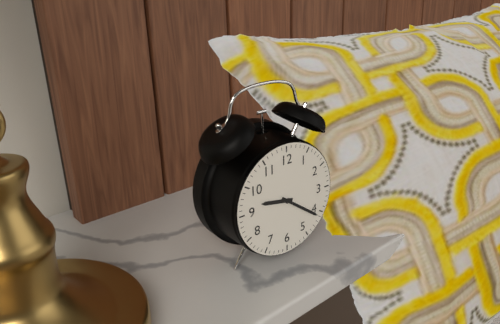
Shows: 9,21
